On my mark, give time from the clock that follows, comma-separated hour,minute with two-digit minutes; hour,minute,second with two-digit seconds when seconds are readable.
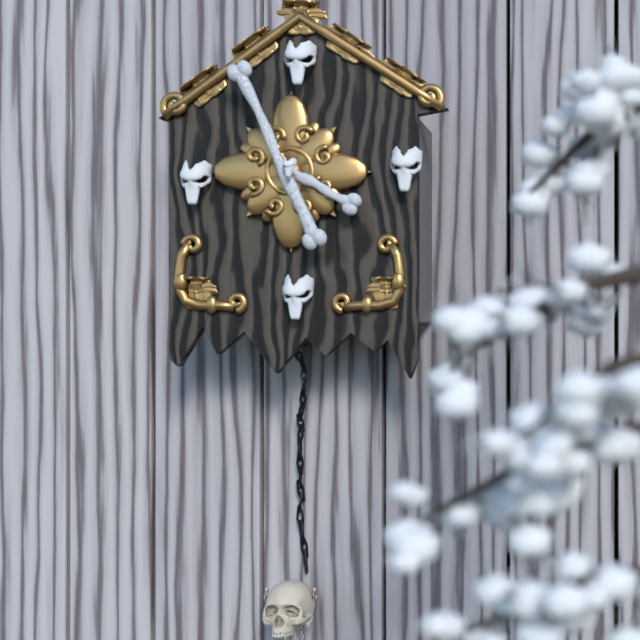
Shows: 3,56
